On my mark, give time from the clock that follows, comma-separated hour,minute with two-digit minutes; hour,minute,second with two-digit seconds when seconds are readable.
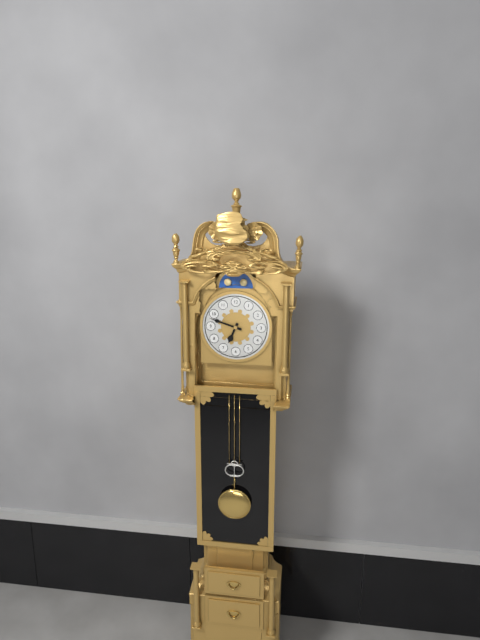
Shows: 6,48
